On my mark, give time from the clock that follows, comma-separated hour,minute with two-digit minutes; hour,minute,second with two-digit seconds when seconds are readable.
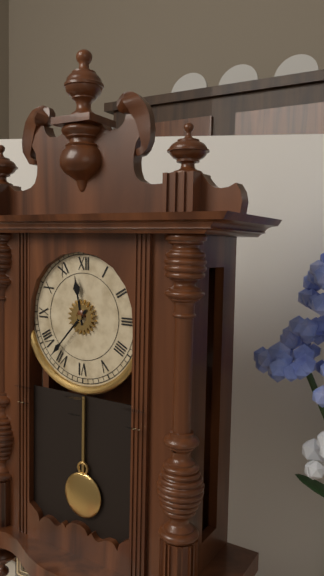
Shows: 11,37
